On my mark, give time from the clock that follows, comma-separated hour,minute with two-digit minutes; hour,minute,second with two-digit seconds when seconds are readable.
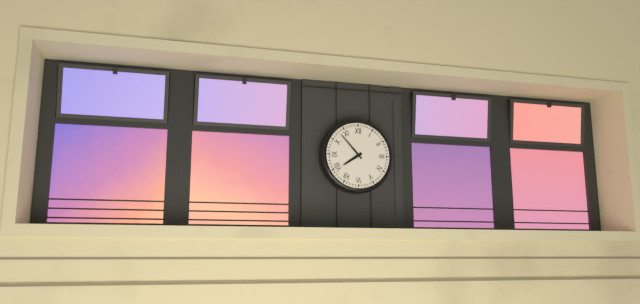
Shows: 7,53
